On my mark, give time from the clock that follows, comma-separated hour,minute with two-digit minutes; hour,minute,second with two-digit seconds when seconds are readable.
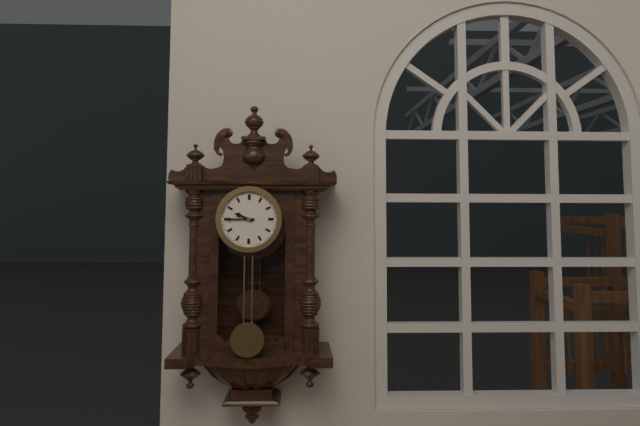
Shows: 9,45
